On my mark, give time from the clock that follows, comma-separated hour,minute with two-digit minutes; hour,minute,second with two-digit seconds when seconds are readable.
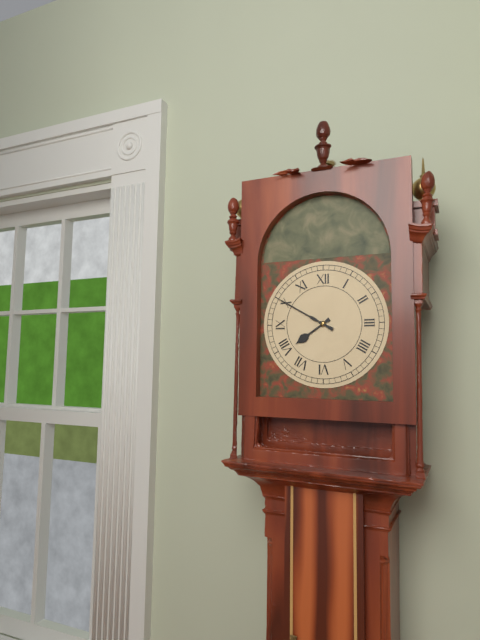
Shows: 7,50
